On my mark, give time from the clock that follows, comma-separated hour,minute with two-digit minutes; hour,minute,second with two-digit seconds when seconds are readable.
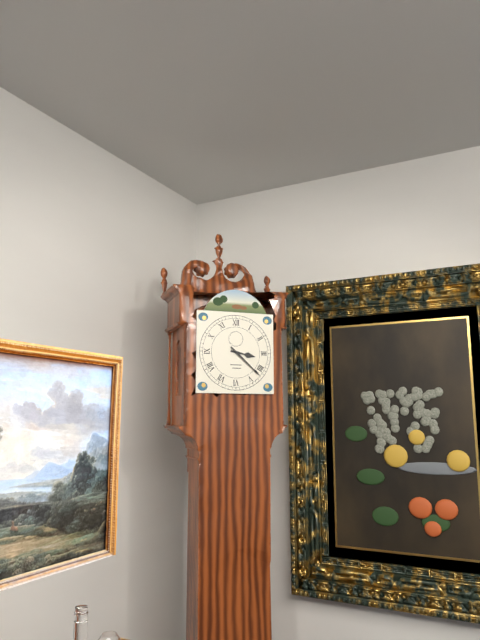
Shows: 3,22
